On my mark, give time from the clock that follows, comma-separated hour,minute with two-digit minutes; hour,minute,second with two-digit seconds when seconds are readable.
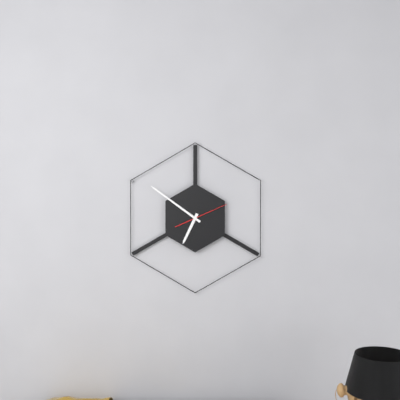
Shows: 6,51
